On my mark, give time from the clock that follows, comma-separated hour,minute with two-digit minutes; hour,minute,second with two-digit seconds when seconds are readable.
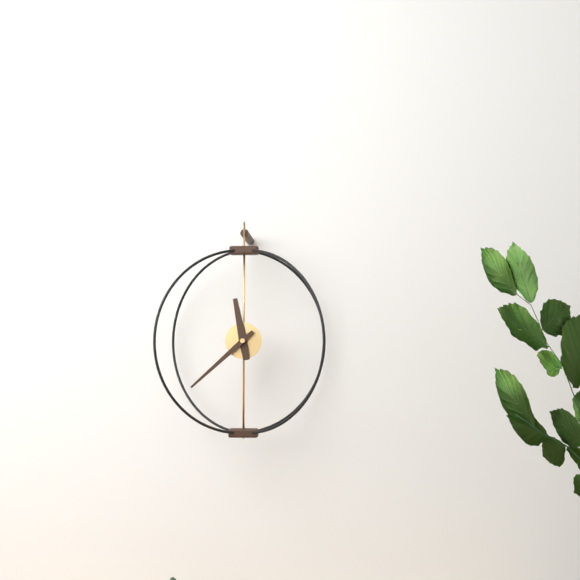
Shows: 11,38
